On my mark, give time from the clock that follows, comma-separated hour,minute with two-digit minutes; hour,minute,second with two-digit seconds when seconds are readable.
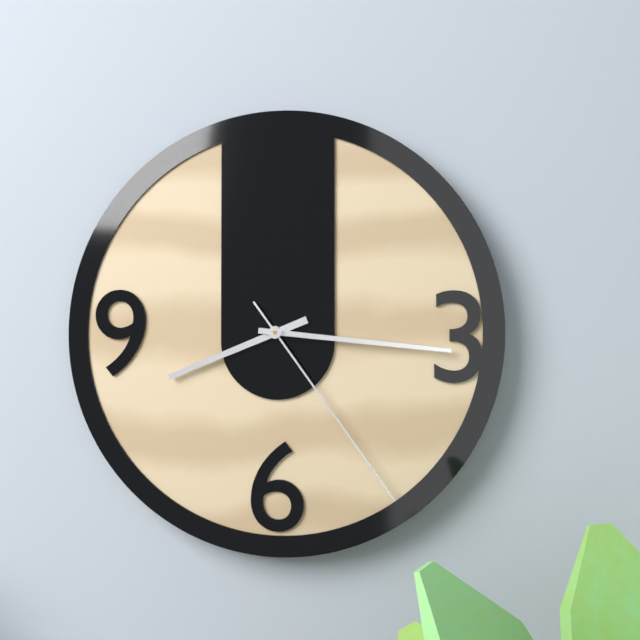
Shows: 8,16,24
